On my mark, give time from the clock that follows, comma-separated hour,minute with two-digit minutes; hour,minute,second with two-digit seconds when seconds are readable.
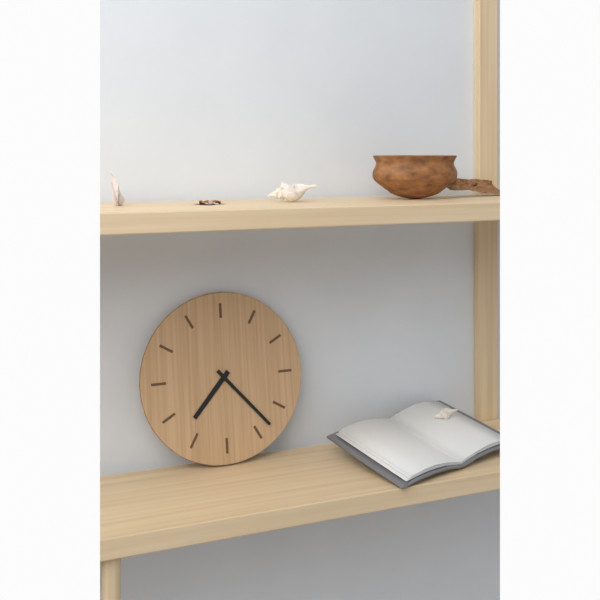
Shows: 7,23
